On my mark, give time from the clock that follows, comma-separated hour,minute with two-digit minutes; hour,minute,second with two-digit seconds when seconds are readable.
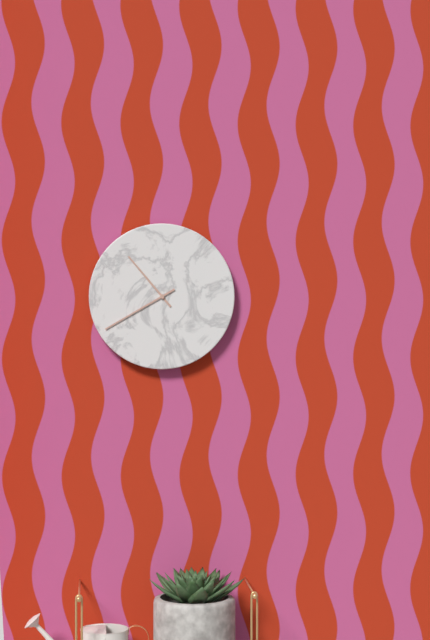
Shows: 10,40
